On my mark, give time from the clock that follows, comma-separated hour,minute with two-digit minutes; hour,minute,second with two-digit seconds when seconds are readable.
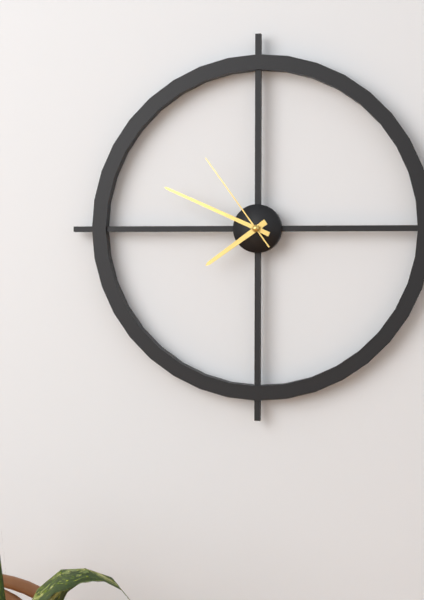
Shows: 7,49,54
